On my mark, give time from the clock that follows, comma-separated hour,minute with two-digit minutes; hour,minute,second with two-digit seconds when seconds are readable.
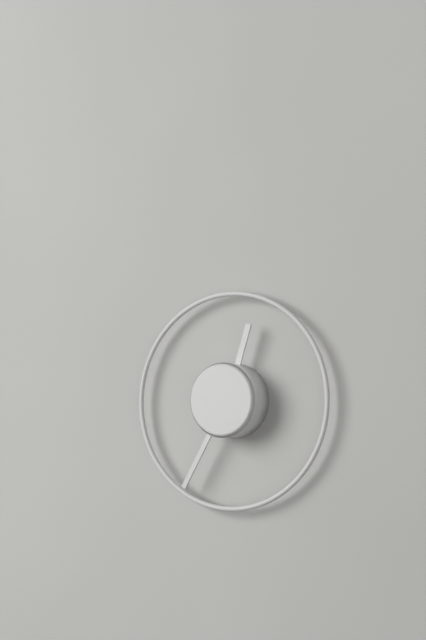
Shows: 12,35
